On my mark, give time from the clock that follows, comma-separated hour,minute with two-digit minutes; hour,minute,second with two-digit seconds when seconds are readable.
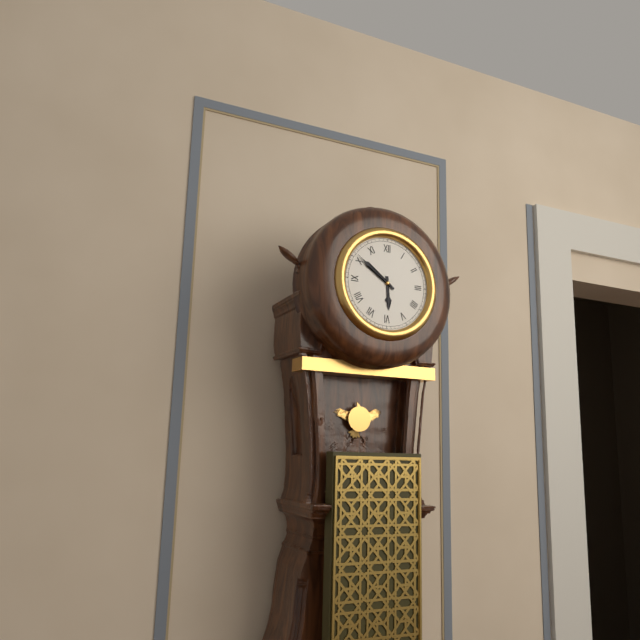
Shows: 5,51
